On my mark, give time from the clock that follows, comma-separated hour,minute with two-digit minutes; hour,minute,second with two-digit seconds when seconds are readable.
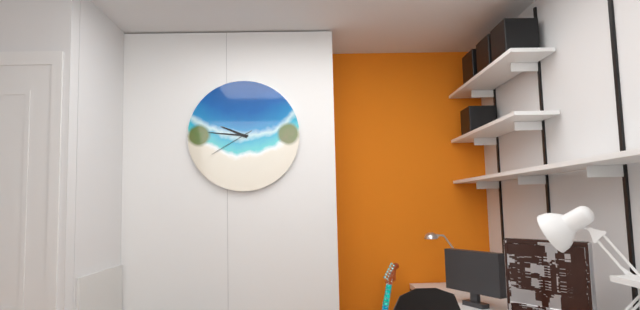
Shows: 9,46
